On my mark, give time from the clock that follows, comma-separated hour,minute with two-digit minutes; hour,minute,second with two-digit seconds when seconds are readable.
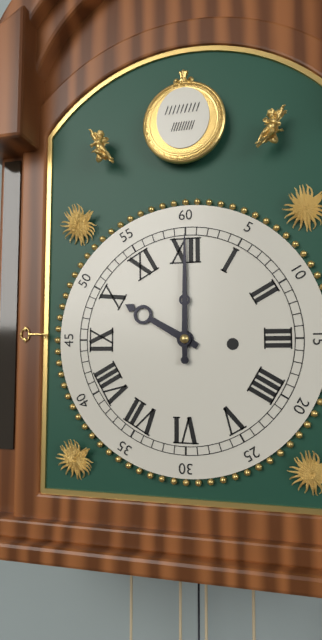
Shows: 10,00
